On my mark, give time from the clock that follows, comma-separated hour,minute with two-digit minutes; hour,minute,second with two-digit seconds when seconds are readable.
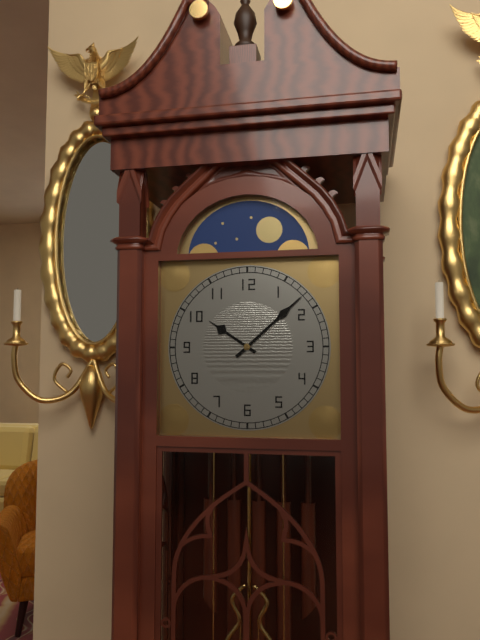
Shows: 10,08
